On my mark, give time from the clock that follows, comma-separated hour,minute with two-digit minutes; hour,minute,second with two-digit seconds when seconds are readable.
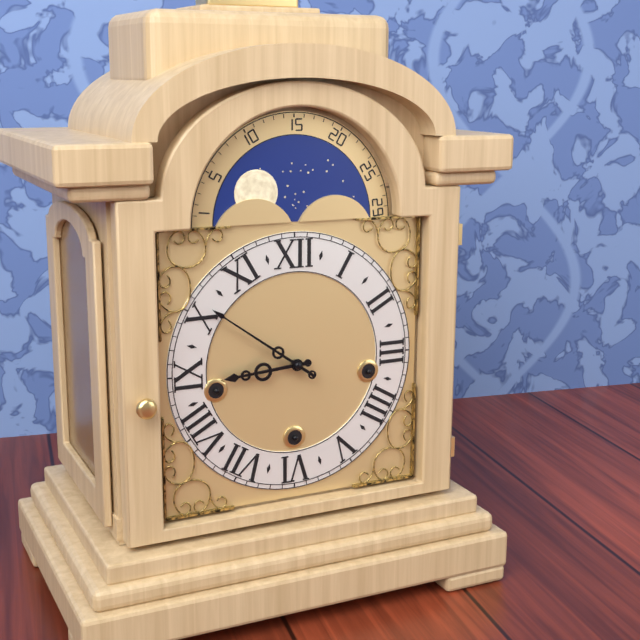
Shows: 8,51
